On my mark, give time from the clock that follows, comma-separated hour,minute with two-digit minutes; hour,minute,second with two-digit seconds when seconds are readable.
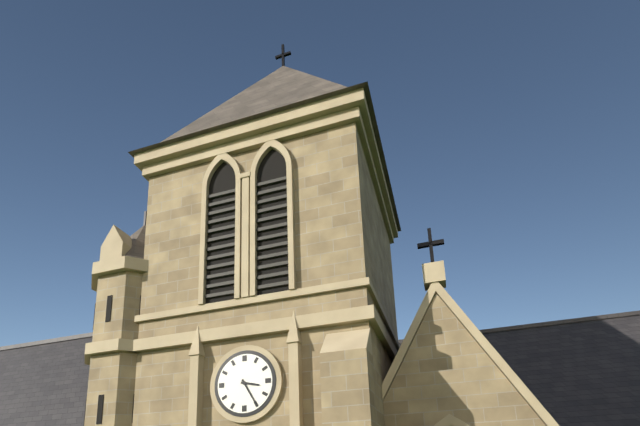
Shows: 3,25
